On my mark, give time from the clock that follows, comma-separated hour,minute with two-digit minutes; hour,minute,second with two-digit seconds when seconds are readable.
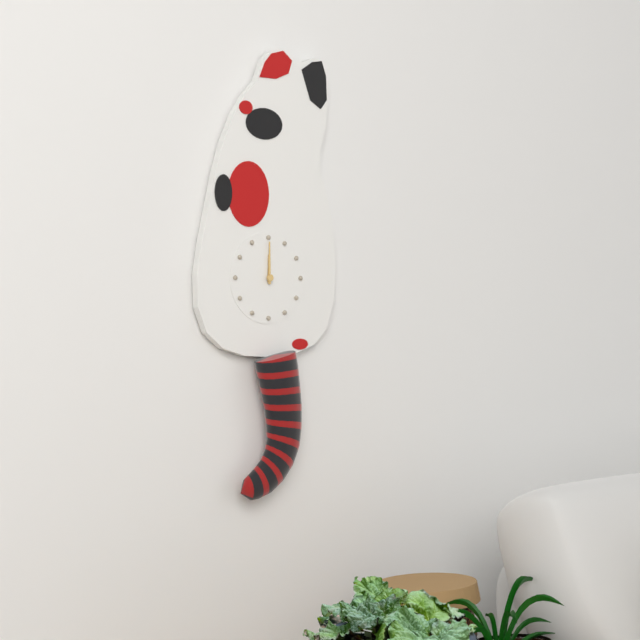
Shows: 12,00
